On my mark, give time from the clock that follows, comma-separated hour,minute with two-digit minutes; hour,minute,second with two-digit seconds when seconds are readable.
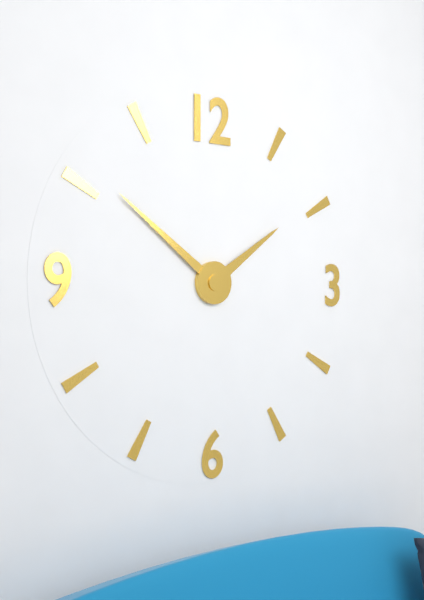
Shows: 1,51
